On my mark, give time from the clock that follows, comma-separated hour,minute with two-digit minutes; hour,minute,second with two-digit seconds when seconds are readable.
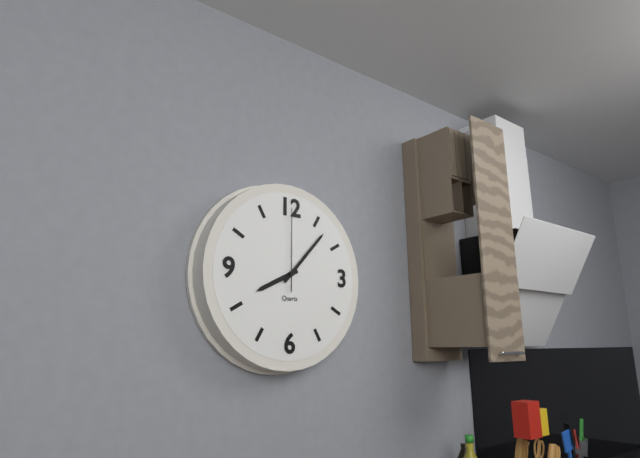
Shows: 8,07,00
